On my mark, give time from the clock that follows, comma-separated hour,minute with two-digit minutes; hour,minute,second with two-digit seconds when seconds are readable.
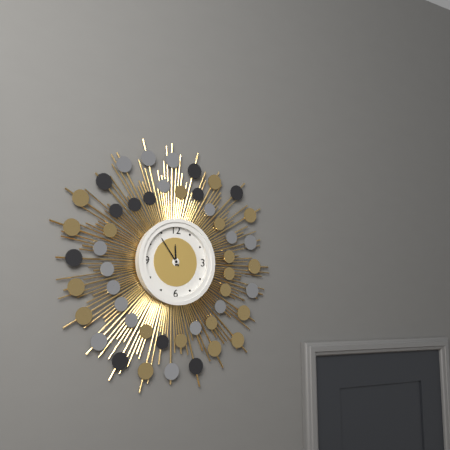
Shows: 11,54
